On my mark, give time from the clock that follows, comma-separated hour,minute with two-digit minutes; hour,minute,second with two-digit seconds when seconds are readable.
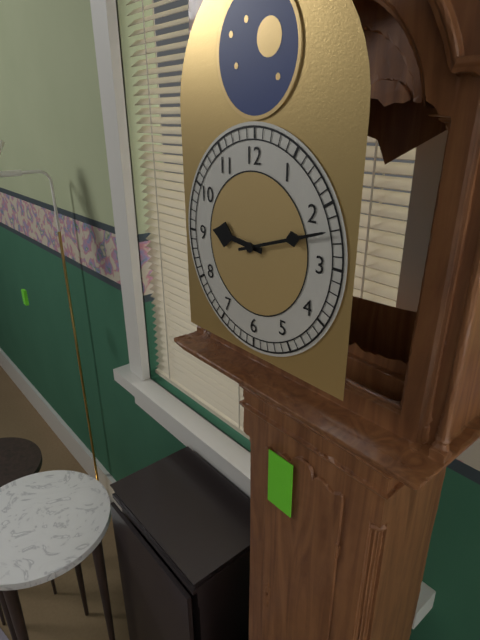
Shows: 9,12
